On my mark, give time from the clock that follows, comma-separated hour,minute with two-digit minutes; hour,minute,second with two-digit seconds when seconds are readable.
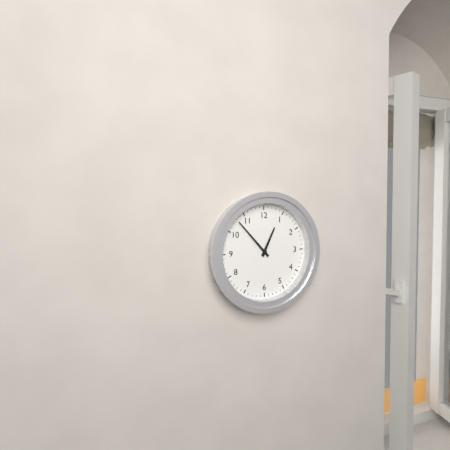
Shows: 12,53
